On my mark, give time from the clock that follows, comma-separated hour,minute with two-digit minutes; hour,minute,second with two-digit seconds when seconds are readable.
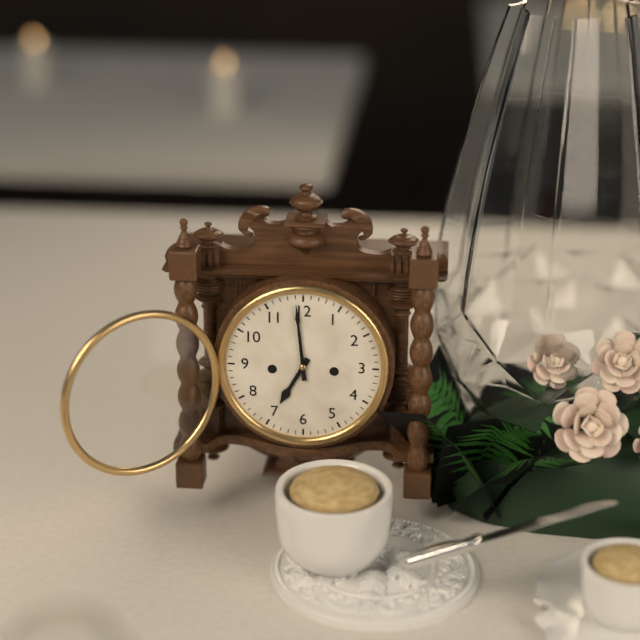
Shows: 6,59
